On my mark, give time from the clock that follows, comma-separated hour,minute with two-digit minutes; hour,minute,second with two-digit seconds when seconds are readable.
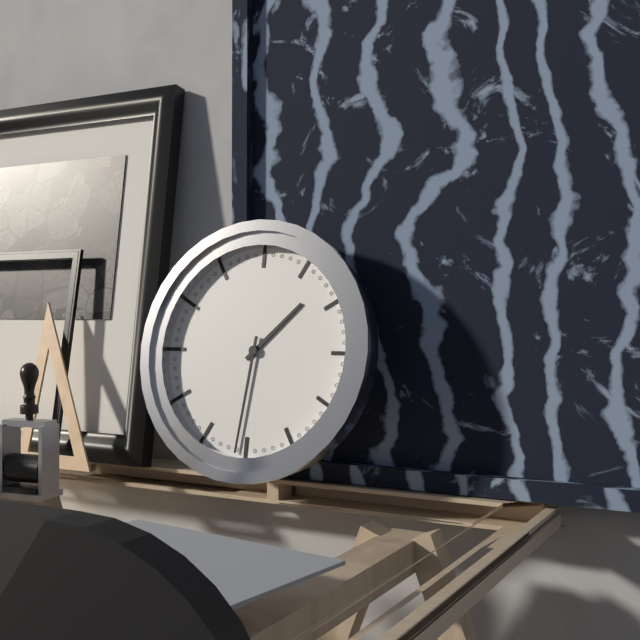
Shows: 1,31
